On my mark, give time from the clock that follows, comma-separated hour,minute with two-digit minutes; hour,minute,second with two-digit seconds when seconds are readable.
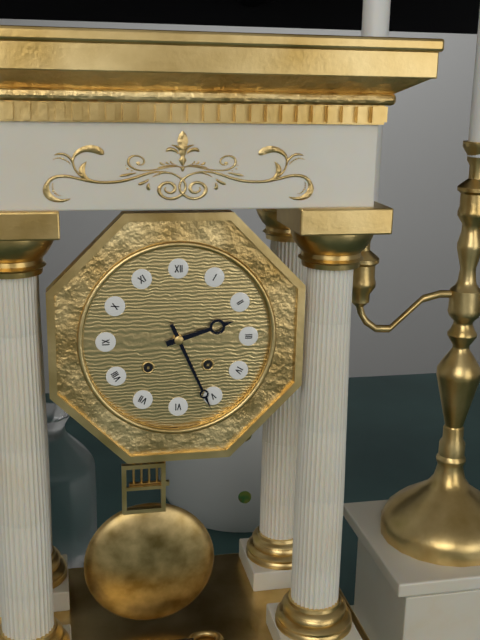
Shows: 2,26
